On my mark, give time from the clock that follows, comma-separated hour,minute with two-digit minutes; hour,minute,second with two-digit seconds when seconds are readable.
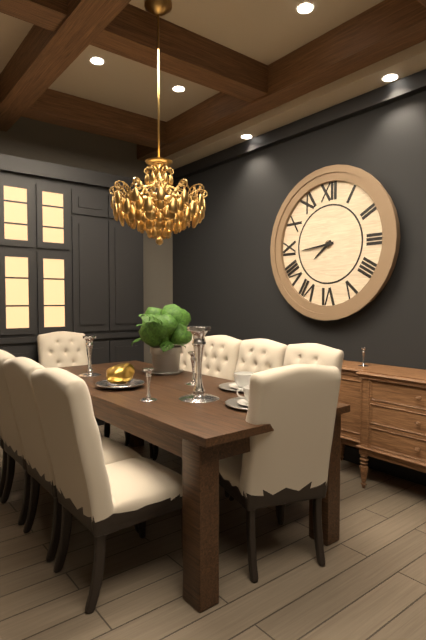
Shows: 7,44
